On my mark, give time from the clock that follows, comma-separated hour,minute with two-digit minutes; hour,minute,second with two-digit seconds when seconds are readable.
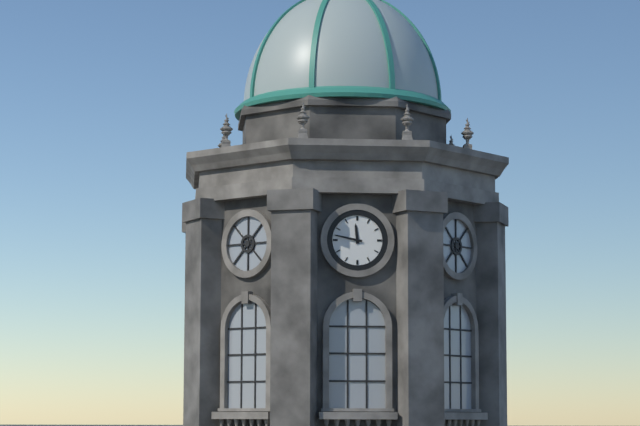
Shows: 11,47
